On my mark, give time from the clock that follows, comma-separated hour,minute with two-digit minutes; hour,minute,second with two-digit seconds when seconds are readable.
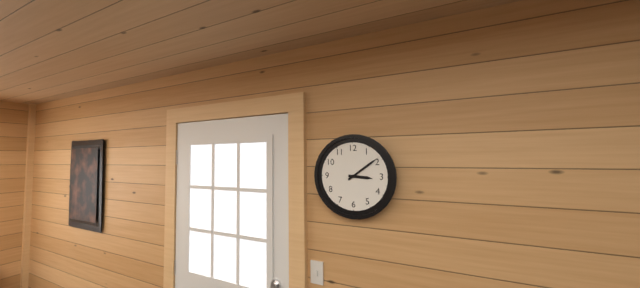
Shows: 3,09
